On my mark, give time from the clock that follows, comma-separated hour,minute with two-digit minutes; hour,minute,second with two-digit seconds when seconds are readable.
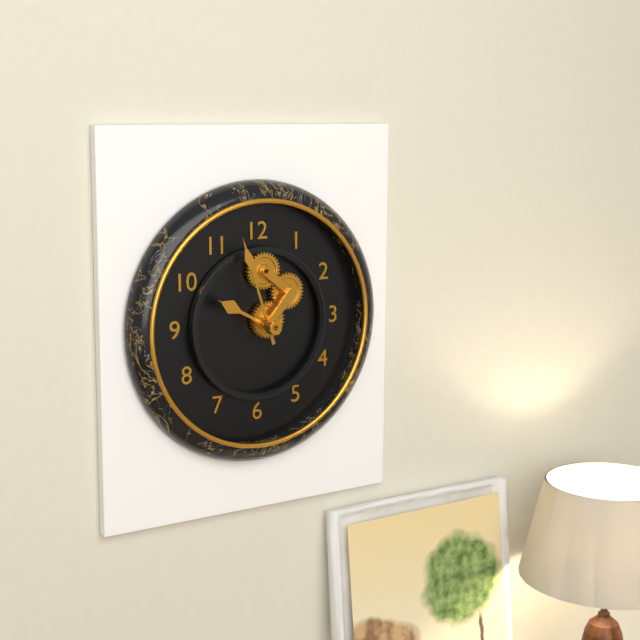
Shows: 9,57
